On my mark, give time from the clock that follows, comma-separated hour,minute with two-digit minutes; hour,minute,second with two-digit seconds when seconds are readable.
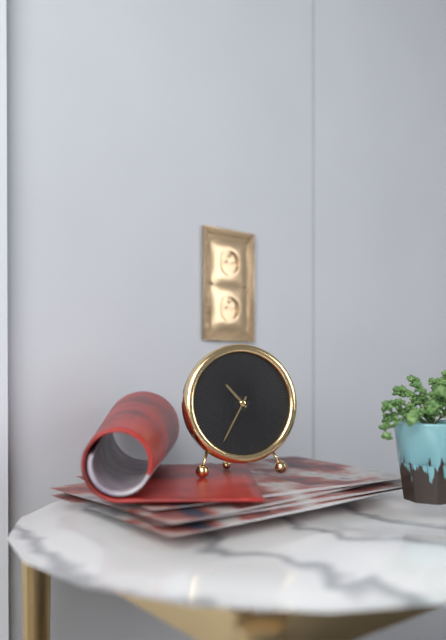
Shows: 10,35
